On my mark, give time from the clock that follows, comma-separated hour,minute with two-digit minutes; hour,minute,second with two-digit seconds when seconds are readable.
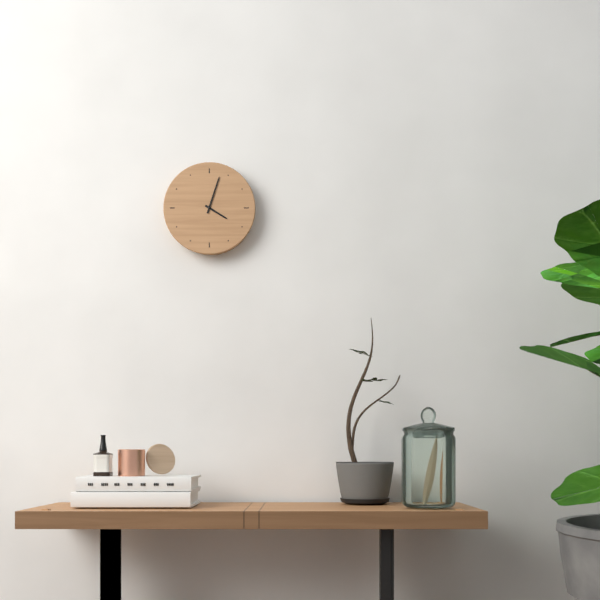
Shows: 4,03
